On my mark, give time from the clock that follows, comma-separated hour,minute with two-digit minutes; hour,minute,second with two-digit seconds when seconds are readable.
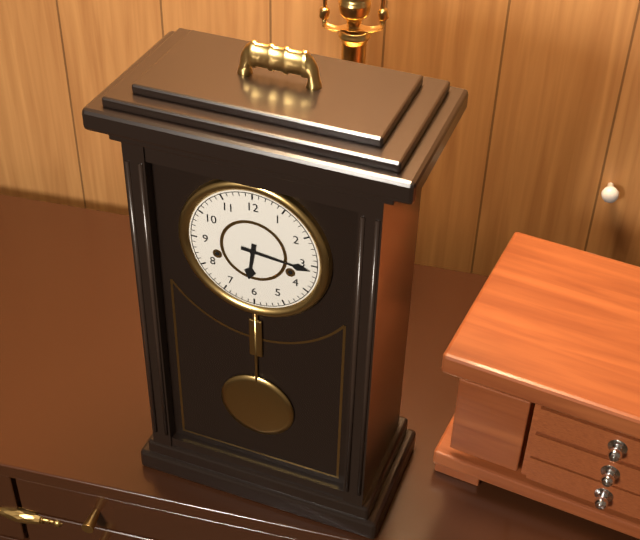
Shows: 6,16
